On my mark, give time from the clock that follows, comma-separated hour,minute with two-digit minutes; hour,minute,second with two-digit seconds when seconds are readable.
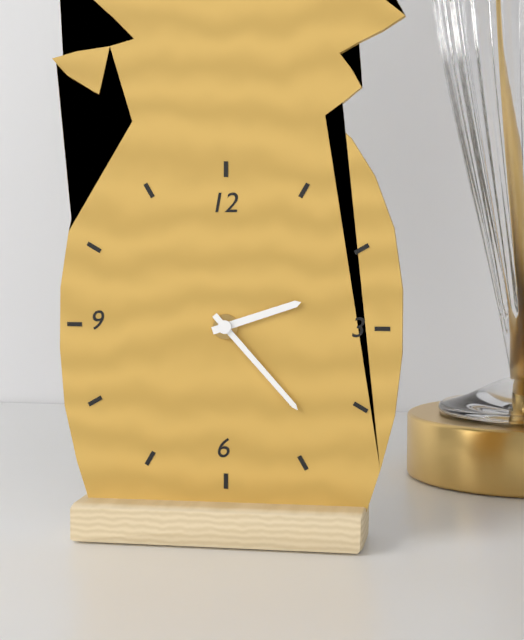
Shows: 2,23
